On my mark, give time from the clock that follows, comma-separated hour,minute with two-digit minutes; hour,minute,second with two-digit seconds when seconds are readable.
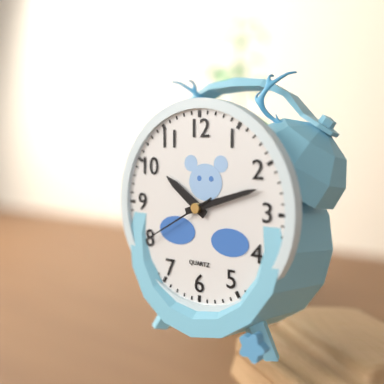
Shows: 10,12,40
